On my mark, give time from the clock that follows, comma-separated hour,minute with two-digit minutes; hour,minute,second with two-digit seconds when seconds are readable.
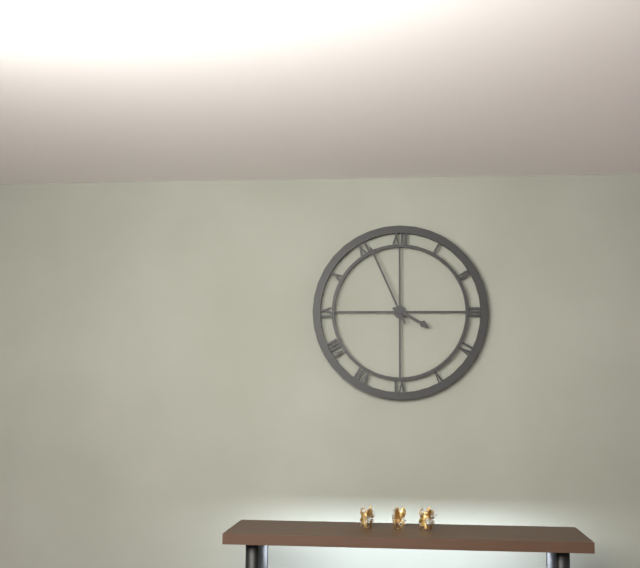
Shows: 3,56
